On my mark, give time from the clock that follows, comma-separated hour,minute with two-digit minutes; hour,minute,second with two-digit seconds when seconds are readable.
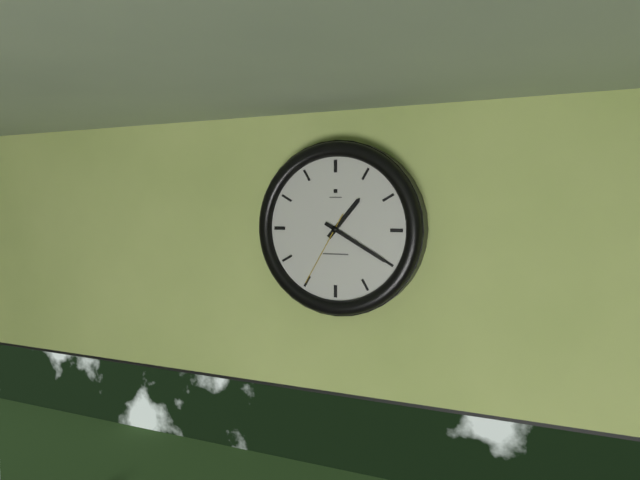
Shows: 1,20,35
